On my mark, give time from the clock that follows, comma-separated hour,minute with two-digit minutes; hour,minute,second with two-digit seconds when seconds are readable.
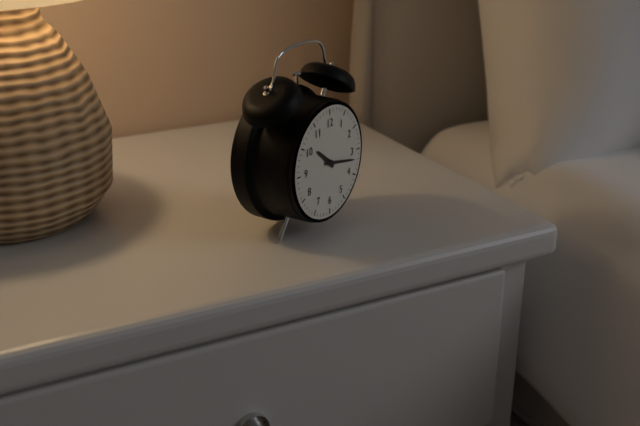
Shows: 10,17
